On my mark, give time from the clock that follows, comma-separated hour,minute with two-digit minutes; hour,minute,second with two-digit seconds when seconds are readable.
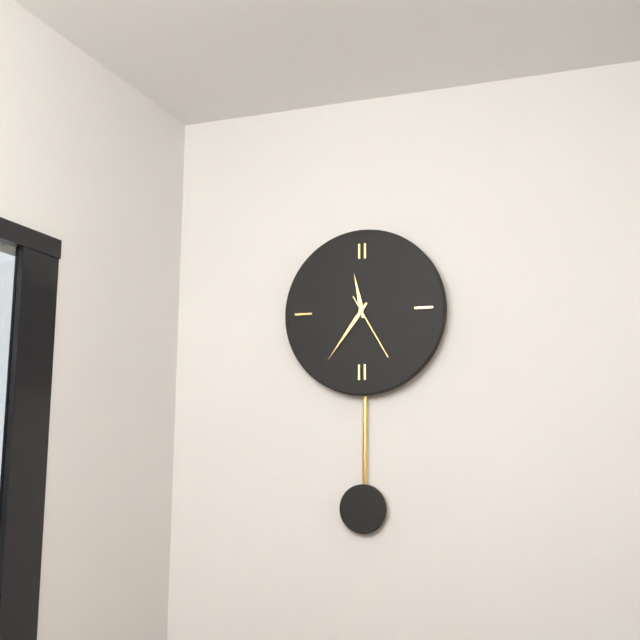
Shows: 11,36,25
